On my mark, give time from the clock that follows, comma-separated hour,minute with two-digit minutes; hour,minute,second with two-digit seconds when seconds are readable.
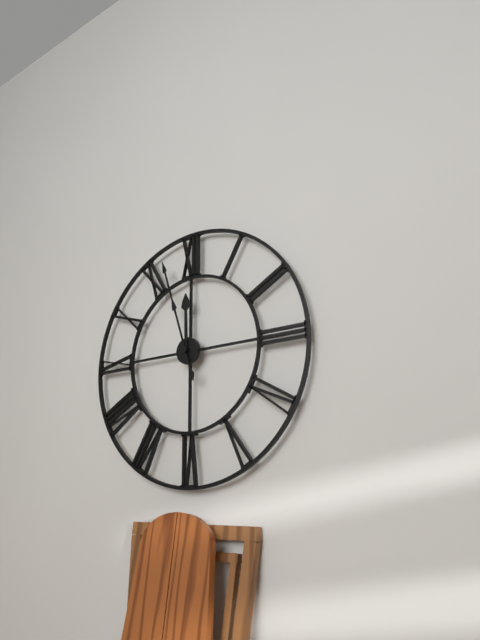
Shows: 11,57
